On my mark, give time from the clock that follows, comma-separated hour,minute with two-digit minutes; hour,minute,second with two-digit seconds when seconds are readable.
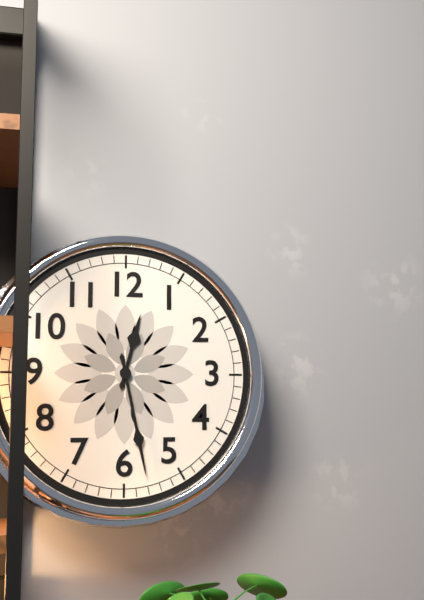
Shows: 12,28
